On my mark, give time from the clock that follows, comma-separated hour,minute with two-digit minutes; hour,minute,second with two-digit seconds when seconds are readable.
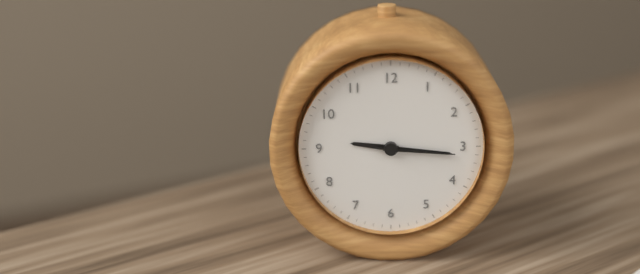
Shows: 9,16,16
